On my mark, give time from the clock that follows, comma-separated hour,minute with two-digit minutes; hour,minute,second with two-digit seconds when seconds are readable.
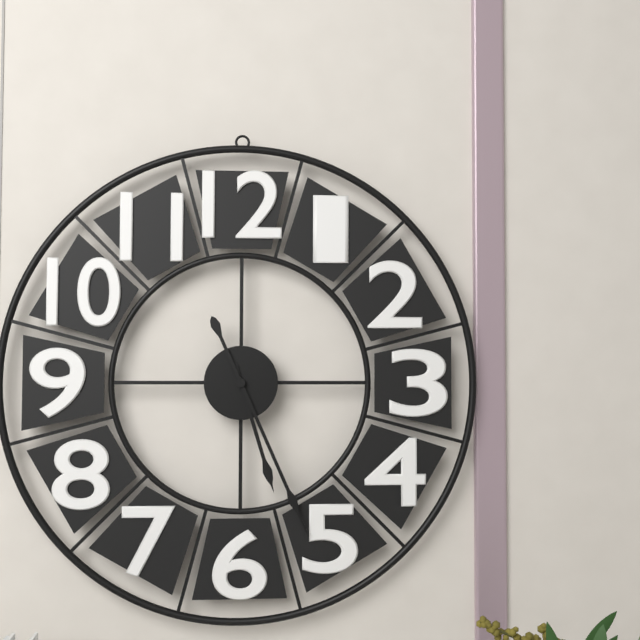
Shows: 5,26
